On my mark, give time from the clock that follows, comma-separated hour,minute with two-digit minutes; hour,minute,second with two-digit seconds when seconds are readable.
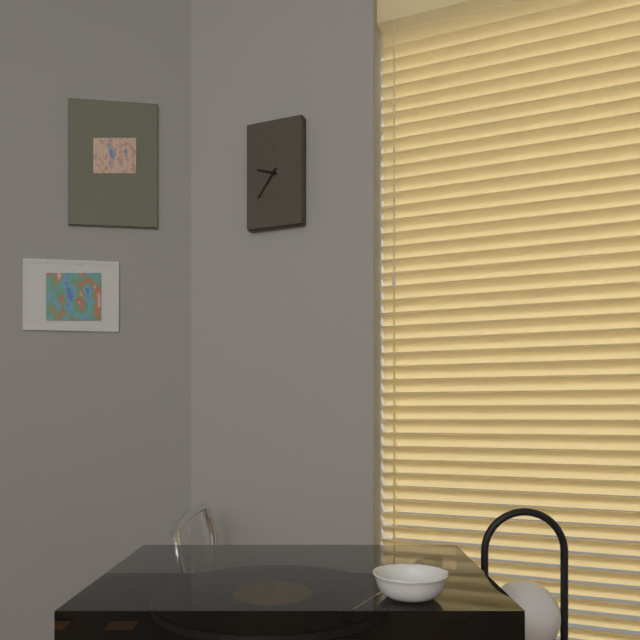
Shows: 9,36
